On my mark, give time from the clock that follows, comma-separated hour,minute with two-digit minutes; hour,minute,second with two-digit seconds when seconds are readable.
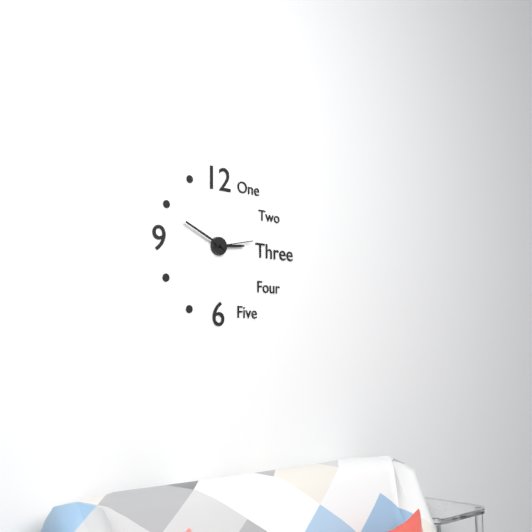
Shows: 2,49
